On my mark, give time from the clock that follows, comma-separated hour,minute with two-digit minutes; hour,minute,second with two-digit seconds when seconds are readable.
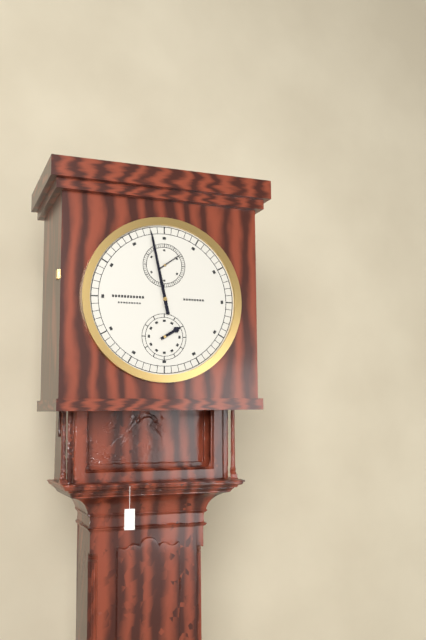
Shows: 1,58
